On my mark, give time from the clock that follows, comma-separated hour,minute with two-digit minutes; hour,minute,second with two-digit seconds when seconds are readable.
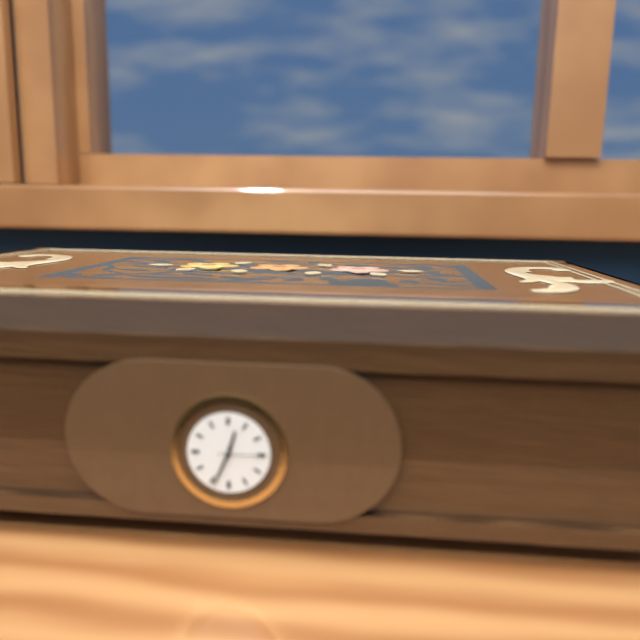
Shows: 12,34,15
